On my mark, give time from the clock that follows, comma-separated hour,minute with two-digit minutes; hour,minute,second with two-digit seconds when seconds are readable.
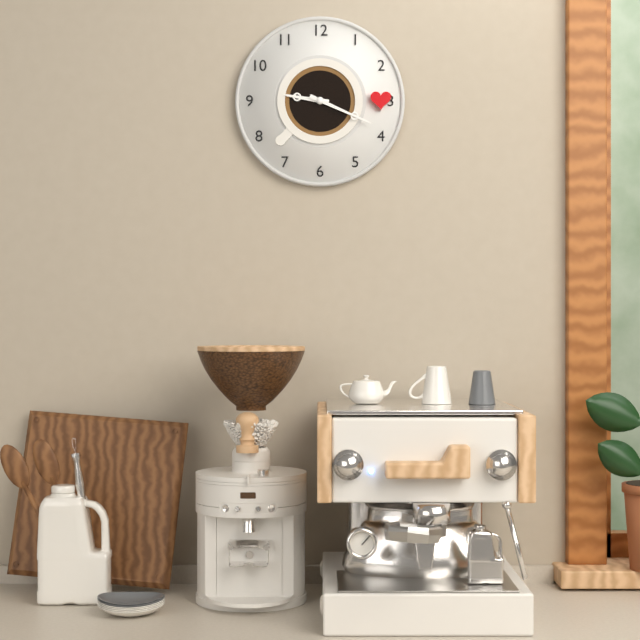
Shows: 9,19
